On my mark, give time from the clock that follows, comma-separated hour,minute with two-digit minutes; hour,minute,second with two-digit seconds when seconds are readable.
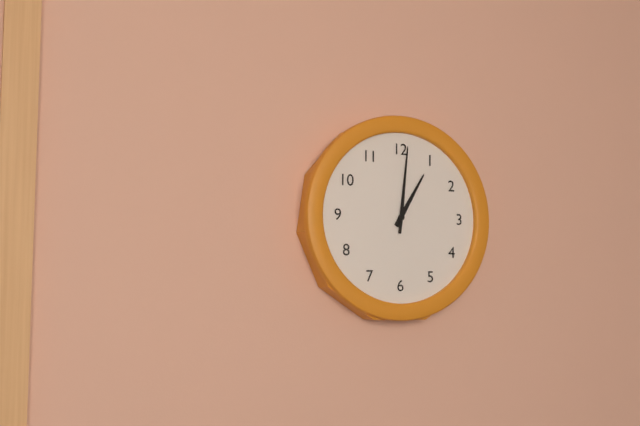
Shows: 1,01
